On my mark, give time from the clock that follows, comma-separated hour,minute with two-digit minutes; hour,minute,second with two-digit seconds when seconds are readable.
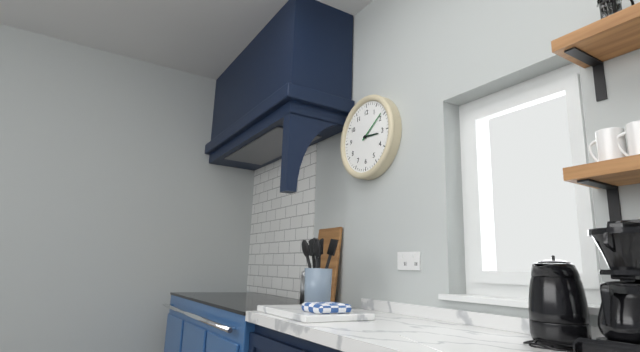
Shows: 3,09
